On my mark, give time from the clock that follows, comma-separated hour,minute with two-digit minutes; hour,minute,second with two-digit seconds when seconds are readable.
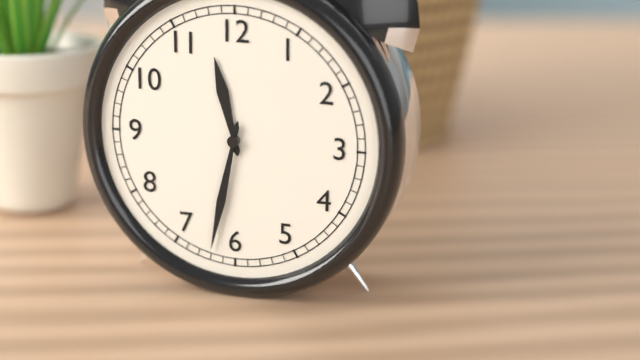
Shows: 11,32
